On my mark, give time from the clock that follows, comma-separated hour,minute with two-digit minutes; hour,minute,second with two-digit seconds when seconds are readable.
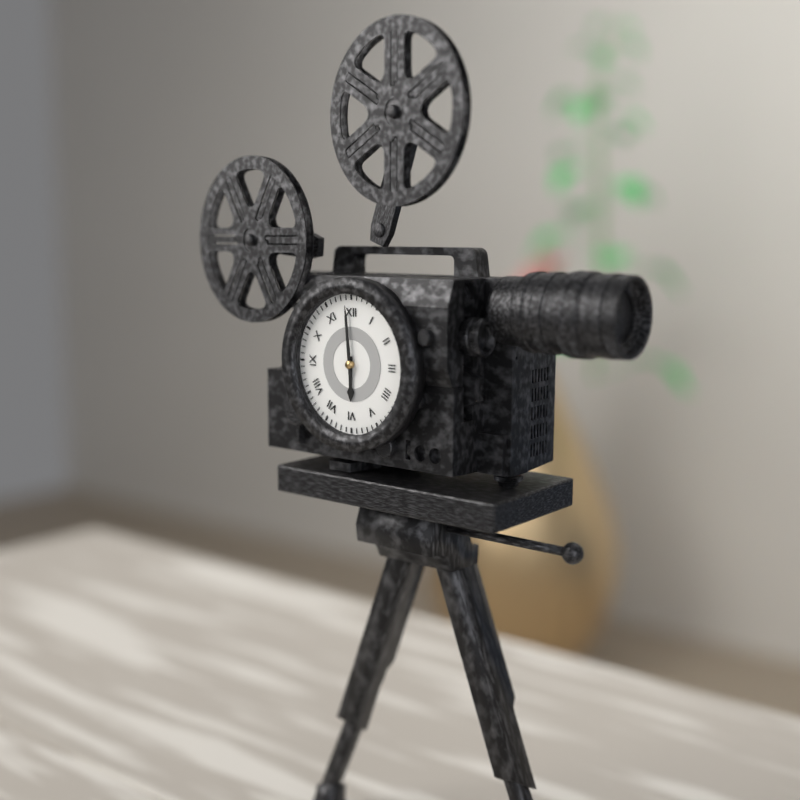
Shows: 5,59
